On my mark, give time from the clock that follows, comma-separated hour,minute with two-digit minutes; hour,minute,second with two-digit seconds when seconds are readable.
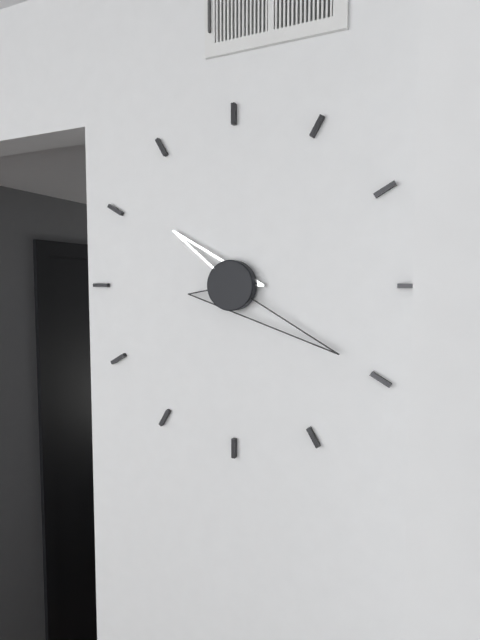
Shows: 10,20
